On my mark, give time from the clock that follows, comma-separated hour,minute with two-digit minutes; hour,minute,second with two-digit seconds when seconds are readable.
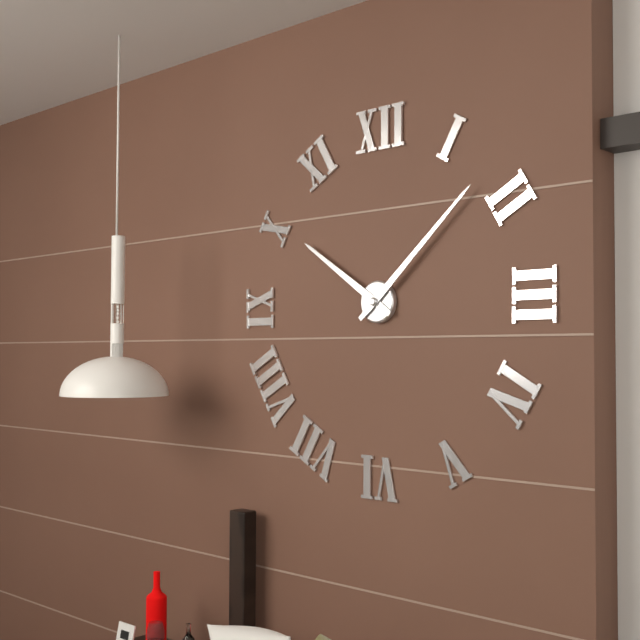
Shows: 10,08
